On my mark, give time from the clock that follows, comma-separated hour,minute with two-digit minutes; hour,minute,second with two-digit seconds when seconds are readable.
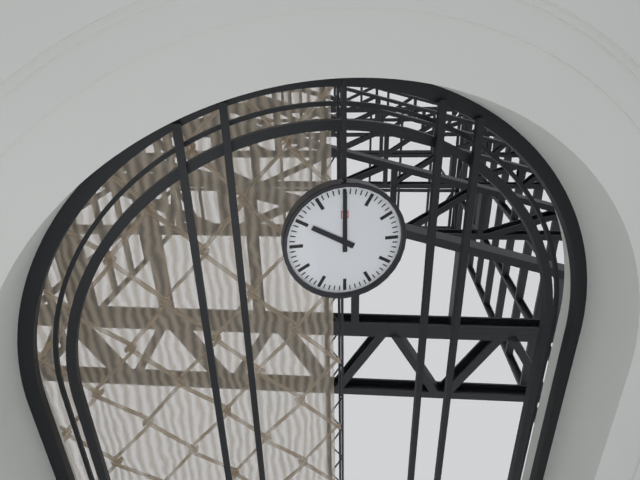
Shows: 10,00
